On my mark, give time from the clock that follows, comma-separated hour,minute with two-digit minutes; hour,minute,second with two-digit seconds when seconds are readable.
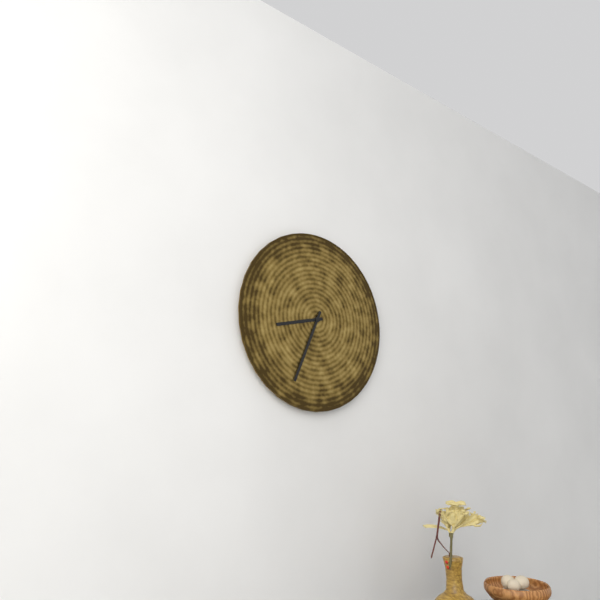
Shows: 8,34
